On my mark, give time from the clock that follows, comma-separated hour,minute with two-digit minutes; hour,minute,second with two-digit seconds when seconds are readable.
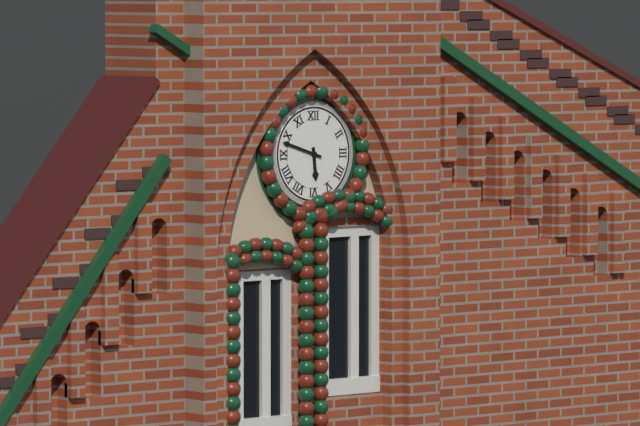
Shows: 5,48
